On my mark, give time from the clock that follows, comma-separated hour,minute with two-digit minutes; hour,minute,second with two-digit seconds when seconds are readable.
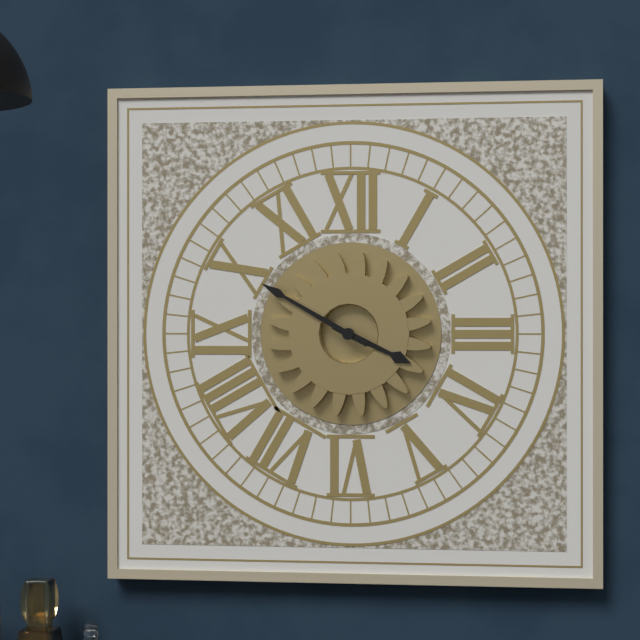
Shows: 3,50
